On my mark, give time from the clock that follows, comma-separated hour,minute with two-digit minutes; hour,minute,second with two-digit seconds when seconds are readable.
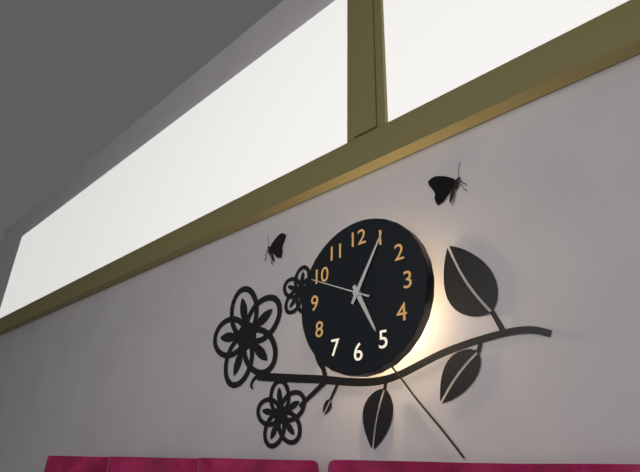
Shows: 5,05,49
